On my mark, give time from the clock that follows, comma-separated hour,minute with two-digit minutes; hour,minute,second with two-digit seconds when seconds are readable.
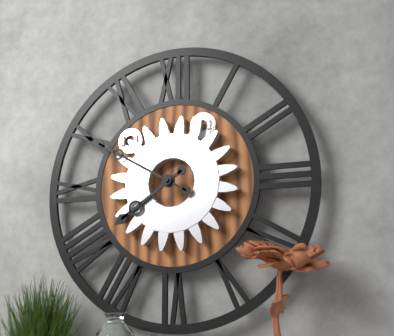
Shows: 7,50
